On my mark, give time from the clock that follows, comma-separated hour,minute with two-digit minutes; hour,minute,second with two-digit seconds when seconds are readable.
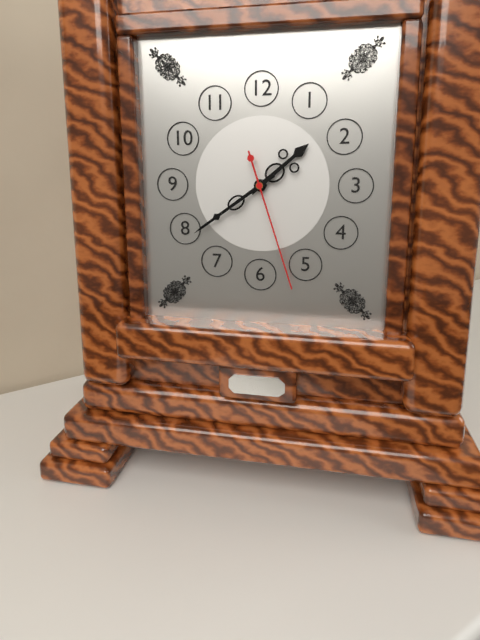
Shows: 1,39,27
